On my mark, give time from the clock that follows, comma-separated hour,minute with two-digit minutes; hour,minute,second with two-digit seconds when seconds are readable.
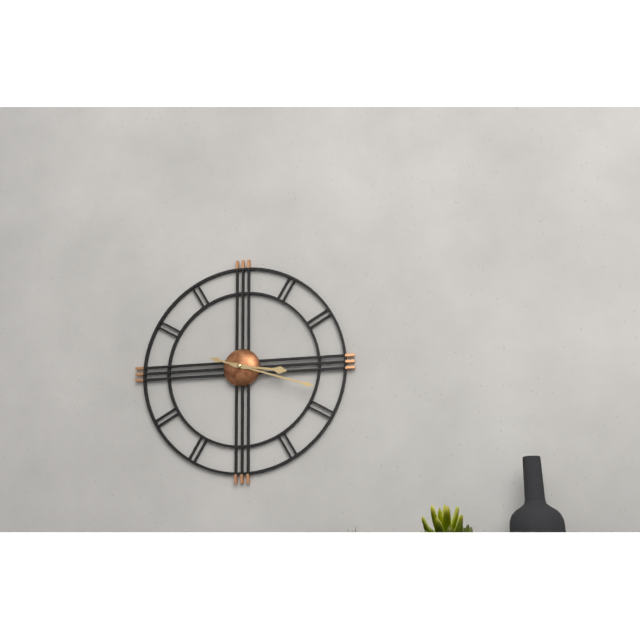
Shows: 3,18
